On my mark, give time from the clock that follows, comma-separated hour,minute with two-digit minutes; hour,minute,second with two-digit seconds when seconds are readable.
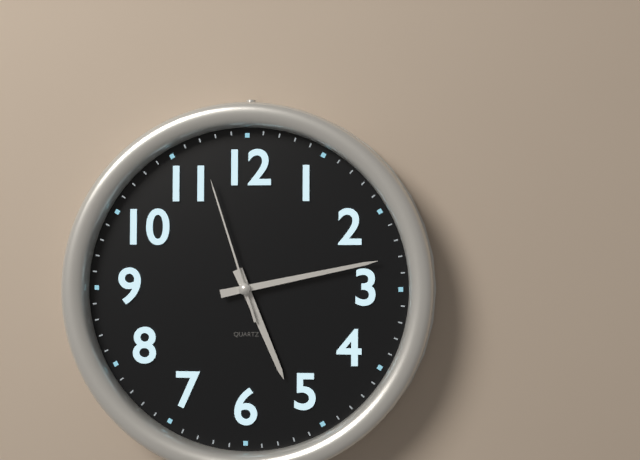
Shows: 5,13,57
